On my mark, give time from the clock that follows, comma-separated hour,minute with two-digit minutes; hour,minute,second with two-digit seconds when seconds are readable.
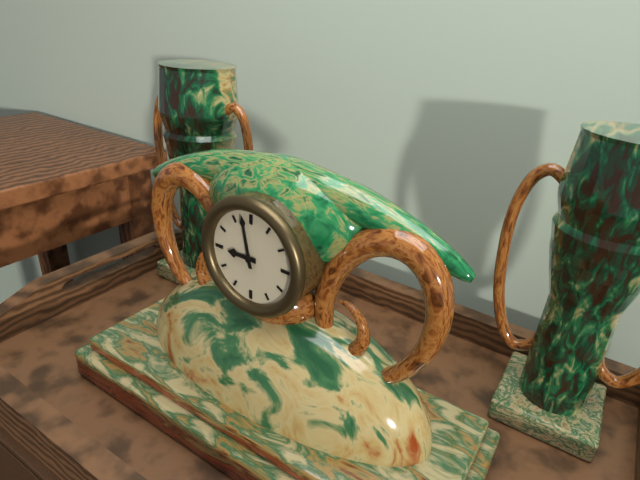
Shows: 8,58
